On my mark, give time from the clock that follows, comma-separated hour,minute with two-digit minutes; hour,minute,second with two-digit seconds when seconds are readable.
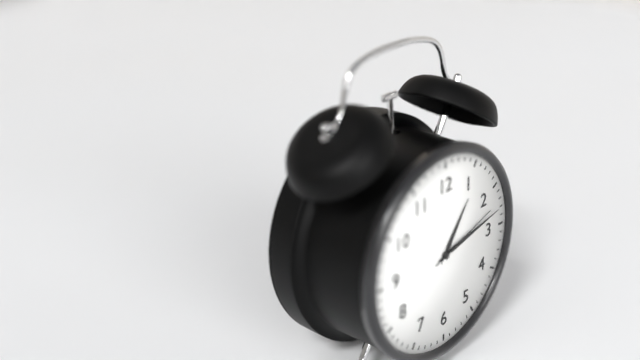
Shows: 1,13,12
